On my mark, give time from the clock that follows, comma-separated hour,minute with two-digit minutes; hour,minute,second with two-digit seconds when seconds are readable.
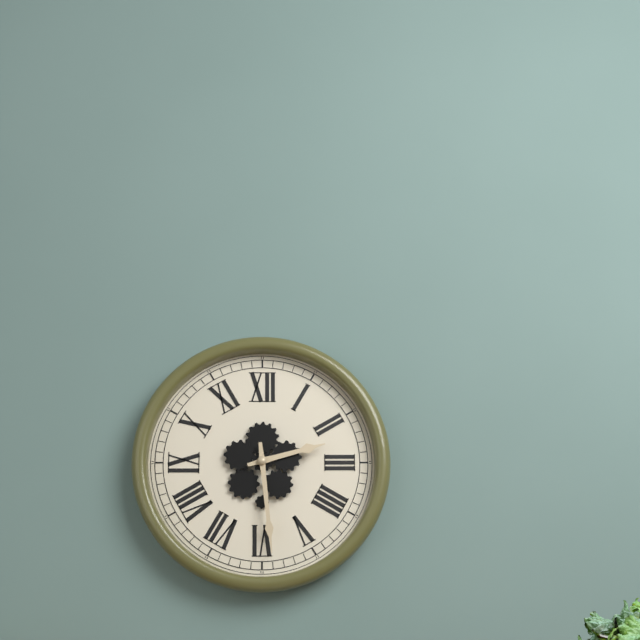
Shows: 2,29
